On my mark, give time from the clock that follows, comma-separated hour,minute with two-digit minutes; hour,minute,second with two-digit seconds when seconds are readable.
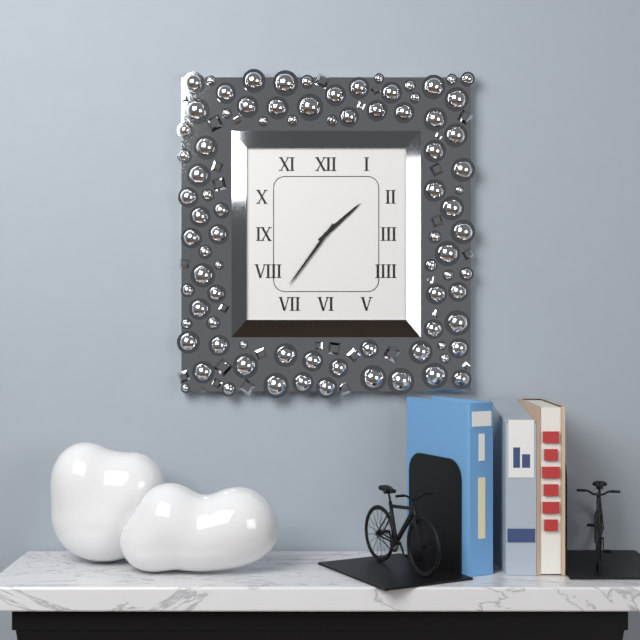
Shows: 1,36
